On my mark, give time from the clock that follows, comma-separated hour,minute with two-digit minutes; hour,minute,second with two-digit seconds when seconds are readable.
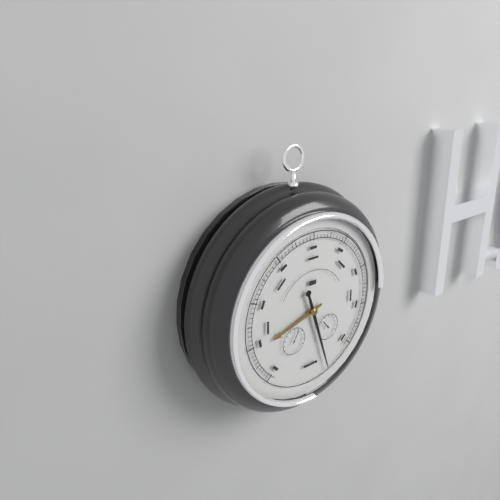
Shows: 8,27
